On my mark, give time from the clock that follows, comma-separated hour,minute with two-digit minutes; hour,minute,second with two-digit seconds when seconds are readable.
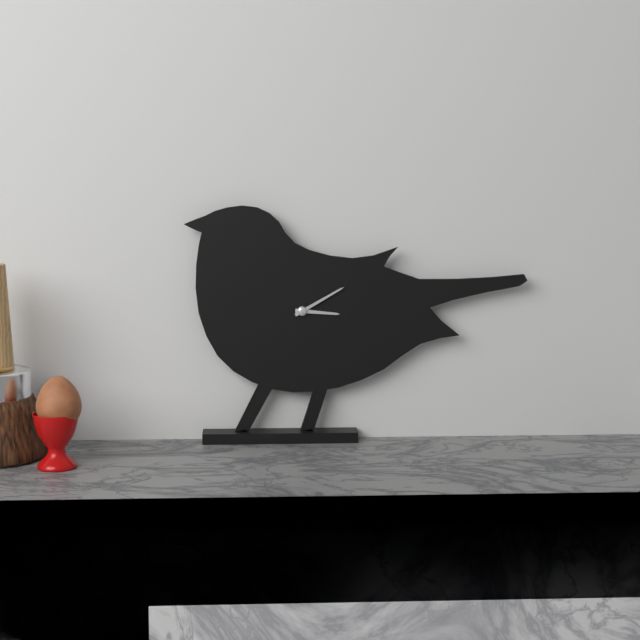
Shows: 3,10
